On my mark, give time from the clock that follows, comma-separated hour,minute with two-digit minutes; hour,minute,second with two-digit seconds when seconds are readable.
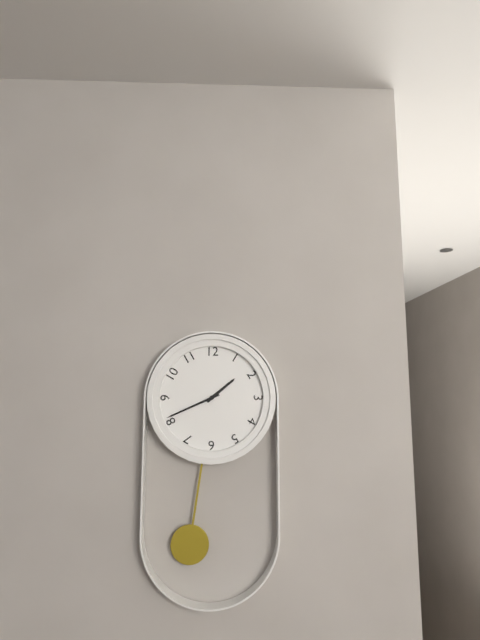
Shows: 1,41
